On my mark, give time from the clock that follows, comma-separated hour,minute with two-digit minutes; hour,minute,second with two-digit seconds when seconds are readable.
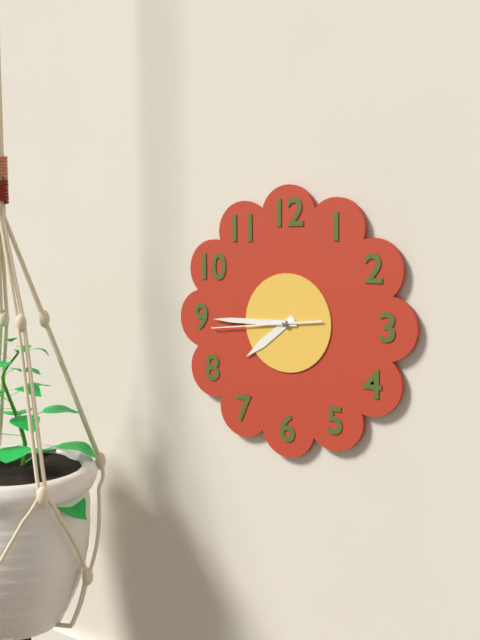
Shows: 7,45,44
